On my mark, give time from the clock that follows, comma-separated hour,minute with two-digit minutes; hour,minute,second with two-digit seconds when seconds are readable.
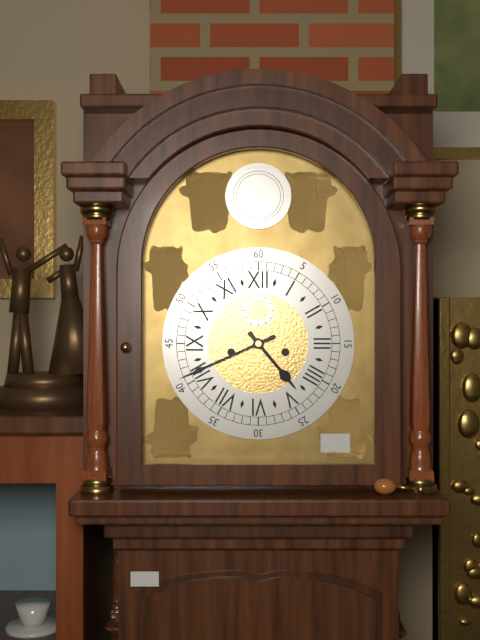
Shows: 4,41
